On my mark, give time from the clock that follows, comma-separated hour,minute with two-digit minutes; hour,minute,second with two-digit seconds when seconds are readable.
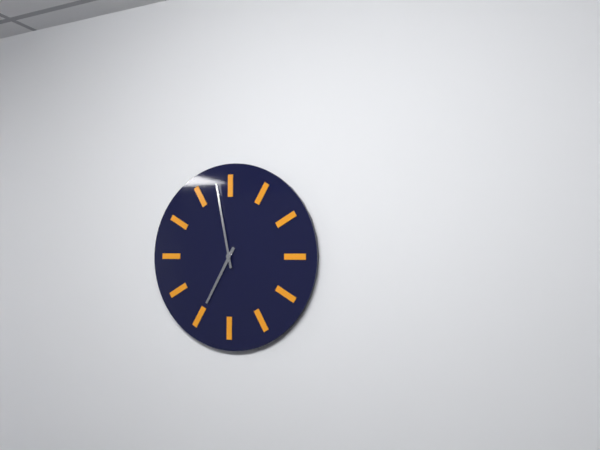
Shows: 6,58
